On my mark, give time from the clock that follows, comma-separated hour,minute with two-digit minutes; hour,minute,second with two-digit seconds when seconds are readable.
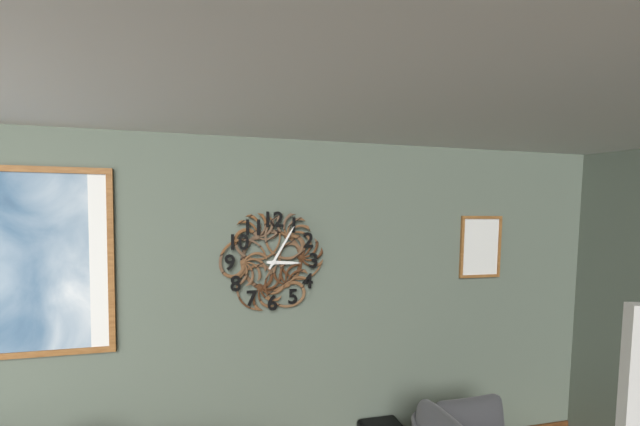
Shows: 3,05
